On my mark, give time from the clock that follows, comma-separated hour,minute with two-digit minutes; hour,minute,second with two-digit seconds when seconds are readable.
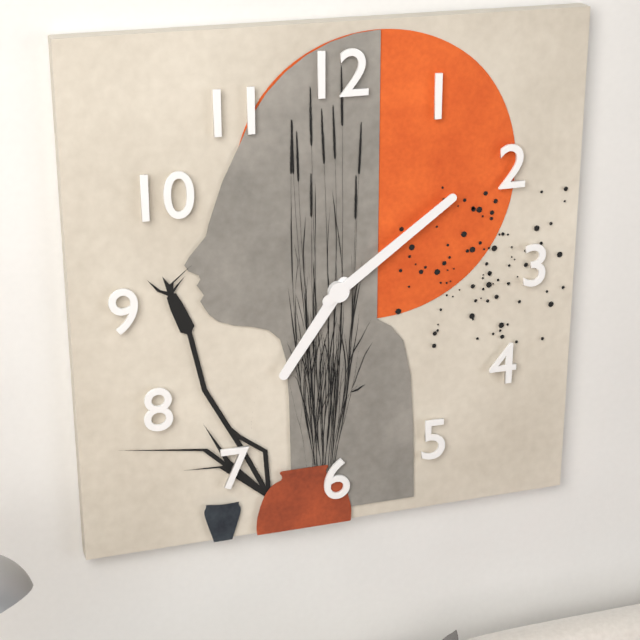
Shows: 7,09
